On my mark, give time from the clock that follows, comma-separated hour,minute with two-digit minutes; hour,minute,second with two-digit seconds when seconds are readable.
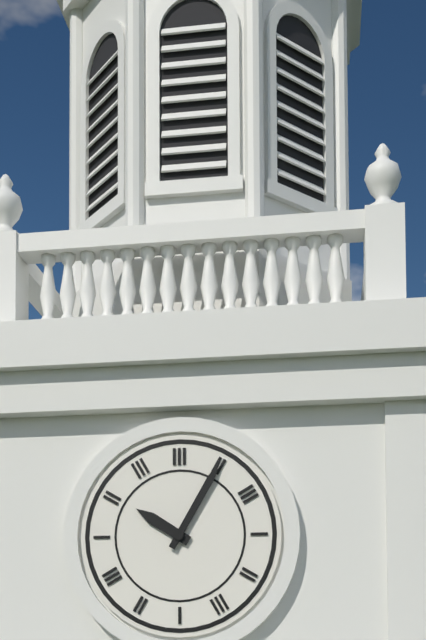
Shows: 10,05
